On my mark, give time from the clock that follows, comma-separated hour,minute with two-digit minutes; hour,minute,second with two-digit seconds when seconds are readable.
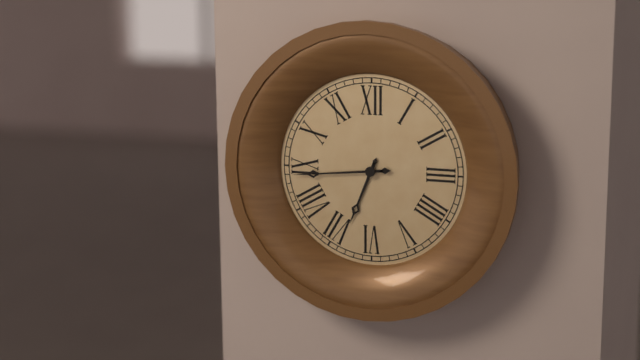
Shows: 6,44
